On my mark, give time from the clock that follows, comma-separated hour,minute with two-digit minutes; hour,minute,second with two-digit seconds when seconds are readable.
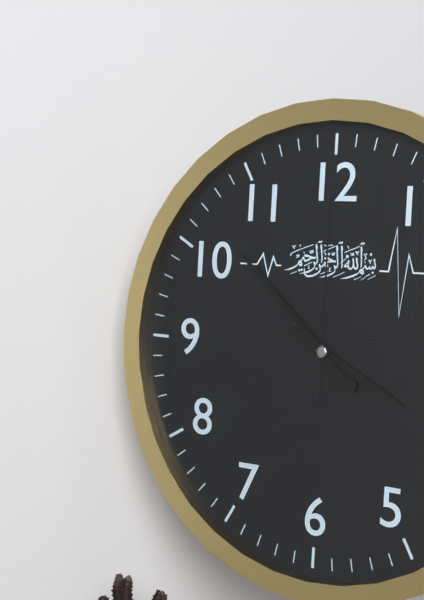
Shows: 3,52,00
